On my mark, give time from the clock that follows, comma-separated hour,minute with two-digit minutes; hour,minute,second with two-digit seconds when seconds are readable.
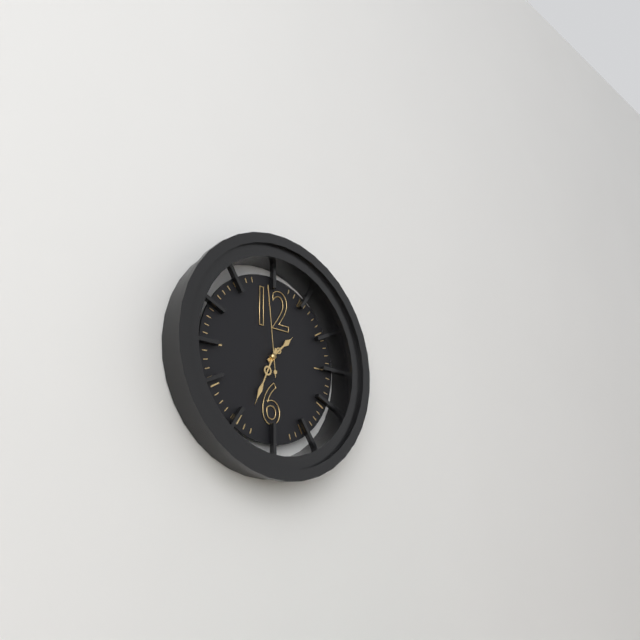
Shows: 1,34,59
